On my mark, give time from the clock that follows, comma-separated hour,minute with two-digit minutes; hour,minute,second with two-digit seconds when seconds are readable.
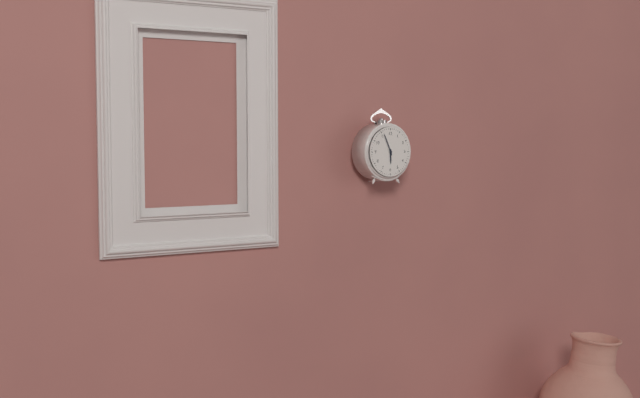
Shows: 5,56
